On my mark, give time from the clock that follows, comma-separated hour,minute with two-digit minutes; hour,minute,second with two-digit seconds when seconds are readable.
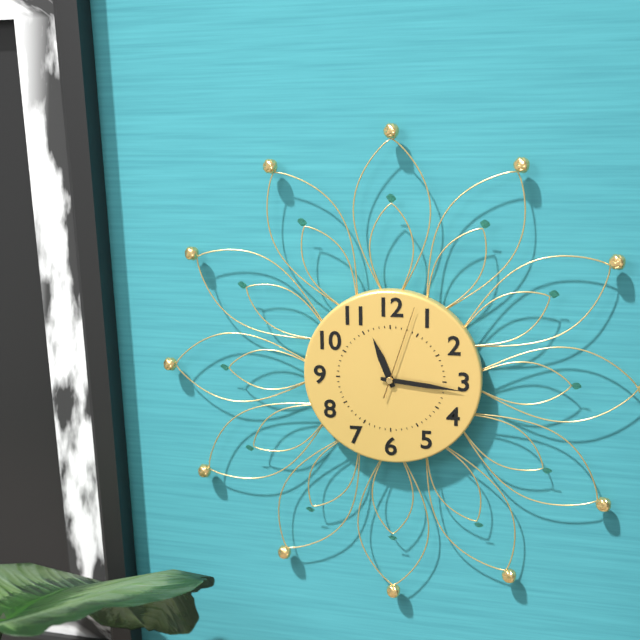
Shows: 11,16,03
